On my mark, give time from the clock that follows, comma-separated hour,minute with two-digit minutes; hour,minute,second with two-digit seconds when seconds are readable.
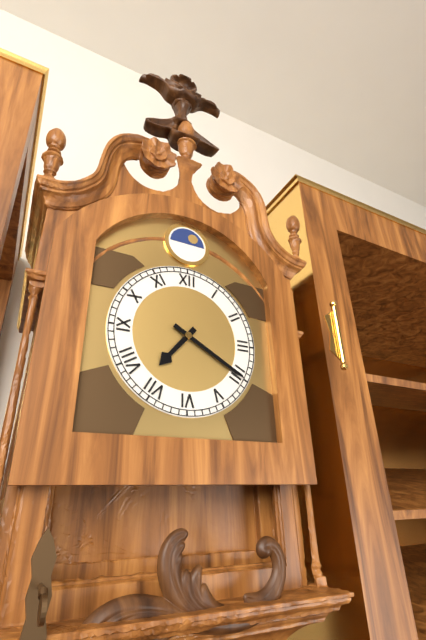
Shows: 7,20
